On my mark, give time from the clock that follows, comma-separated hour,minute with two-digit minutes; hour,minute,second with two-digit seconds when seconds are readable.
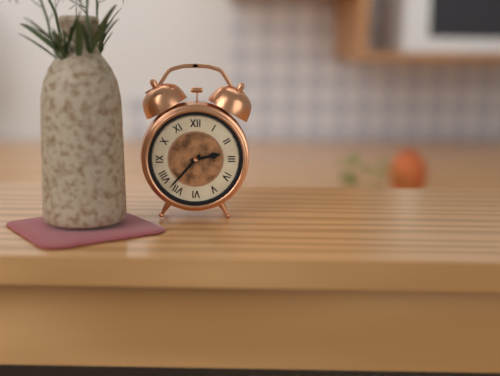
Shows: 2,37
